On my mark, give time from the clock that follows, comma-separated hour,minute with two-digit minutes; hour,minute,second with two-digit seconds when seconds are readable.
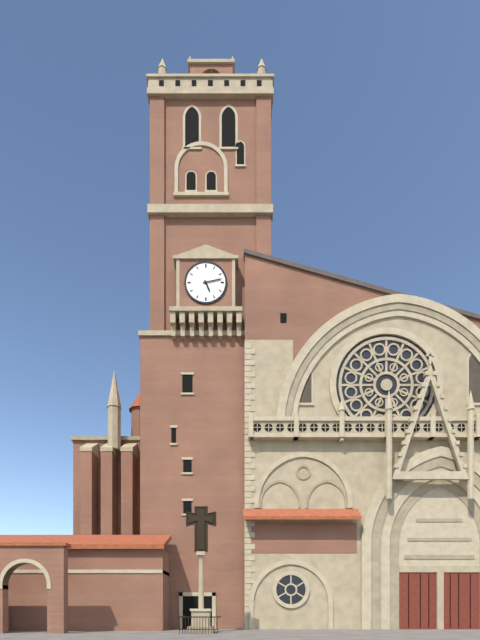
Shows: 5,13
